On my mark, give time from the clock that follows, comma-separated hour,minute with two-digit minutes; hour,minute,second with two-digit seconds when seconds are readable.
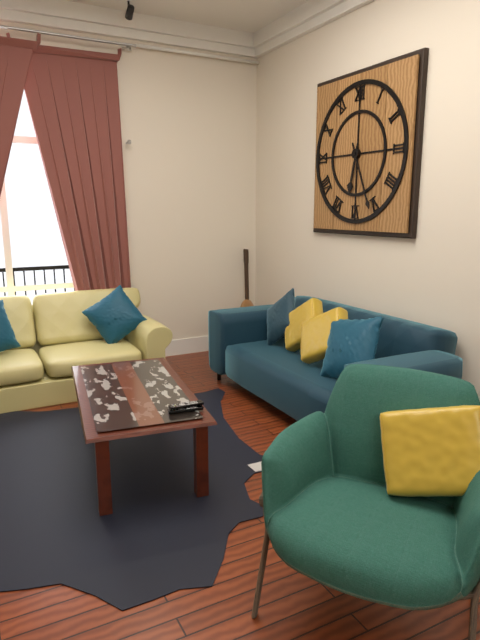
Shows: 6,26
